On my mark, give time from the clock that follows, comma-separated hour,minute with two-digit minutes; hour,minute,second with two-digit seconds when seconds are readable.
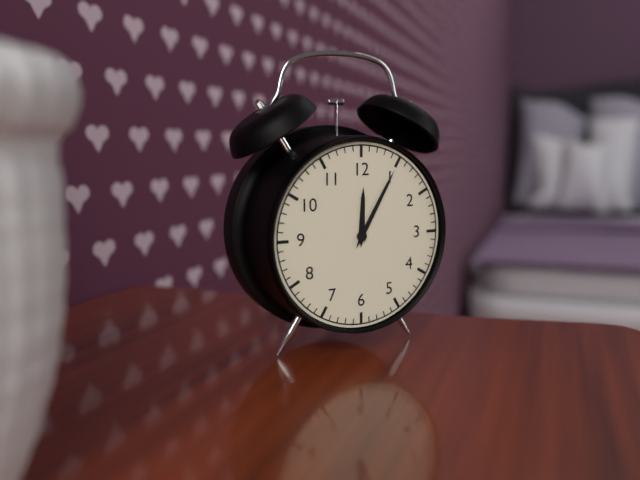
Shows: 12,05
